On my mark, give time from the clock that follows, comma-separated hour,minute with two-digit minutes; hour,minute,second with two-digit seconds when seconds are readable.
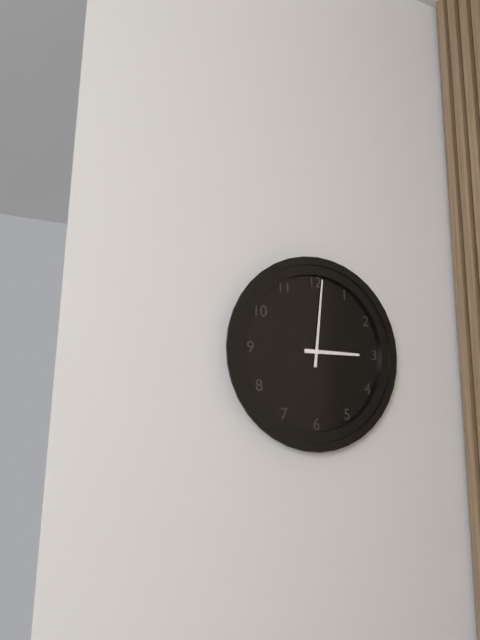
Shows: 3,01
